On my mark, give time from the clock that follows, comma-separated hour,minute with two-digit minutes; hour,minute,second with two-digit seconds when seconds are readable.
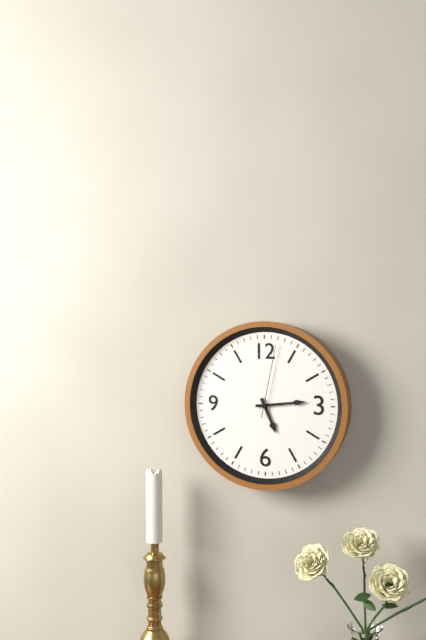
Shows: 5,14,02
